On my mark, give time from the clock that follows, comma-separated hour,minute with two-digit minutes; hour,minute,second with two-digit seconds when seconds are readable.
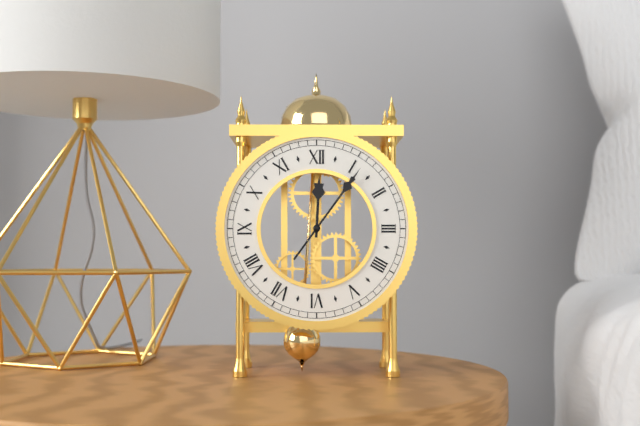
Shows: 12,06
